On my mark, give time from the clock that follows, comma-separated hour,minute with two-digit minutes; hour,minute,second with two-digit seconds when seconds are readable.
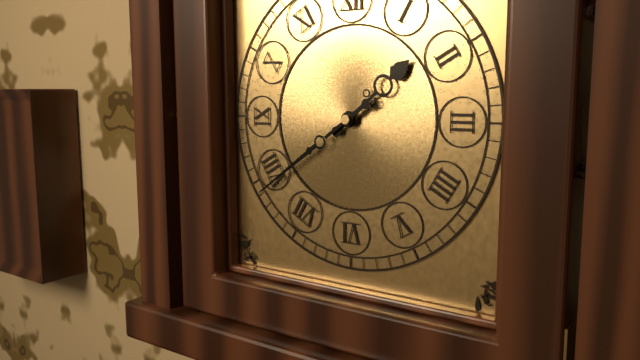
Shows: 1,39
